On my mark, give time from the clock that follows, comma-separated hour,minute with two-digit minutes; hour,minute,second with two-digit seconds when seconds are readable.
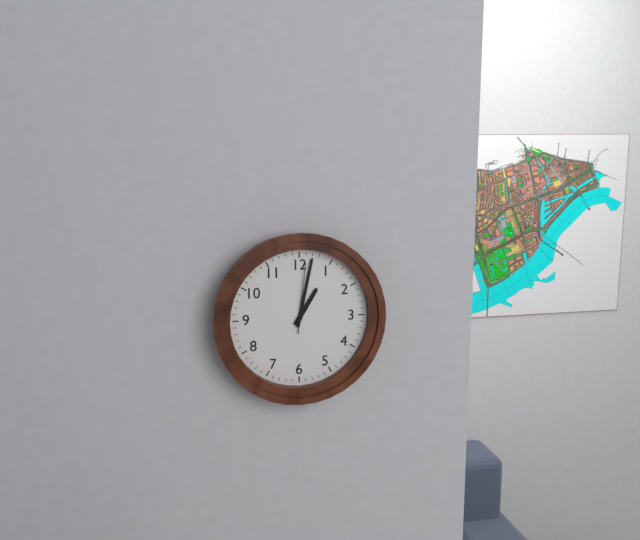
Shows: 1,02,01
